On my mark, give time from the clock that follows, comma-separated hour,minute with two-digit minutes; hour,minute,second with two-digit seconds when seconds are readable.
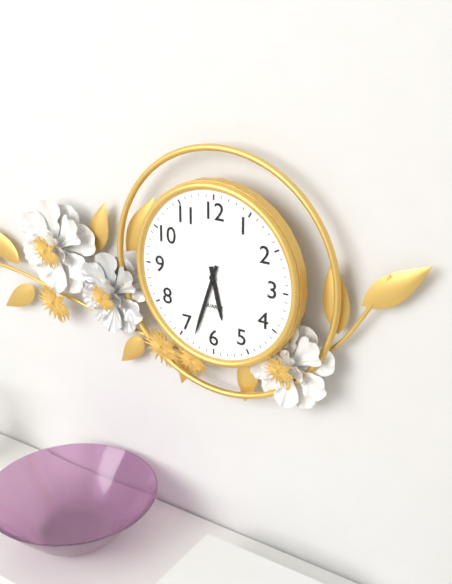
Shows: 5,33
